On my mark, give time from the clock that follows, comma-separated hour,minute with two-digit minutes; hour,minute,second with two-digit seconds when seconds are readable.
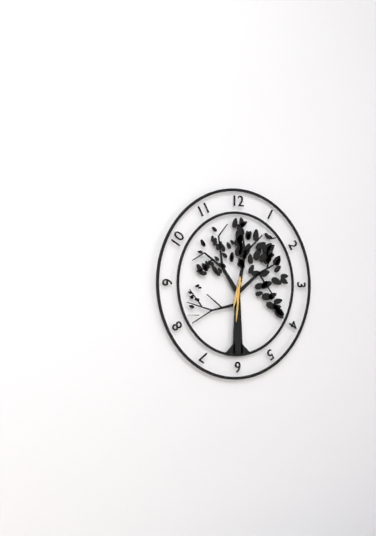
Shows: 6,31
